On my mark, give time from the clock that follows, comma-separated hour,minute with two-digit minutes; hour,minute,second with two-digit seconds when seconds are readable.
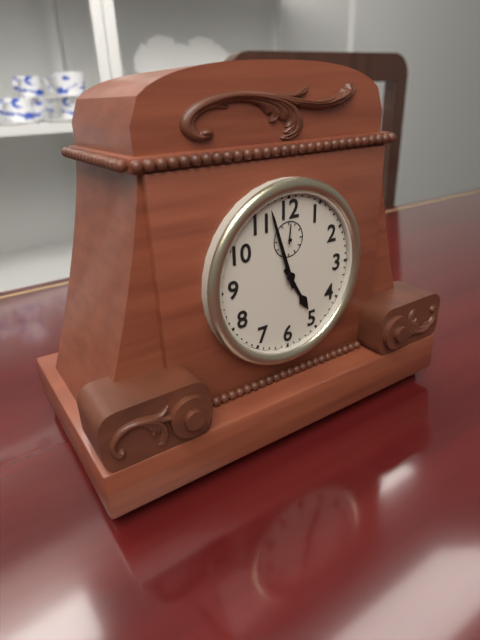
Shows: 4,57
